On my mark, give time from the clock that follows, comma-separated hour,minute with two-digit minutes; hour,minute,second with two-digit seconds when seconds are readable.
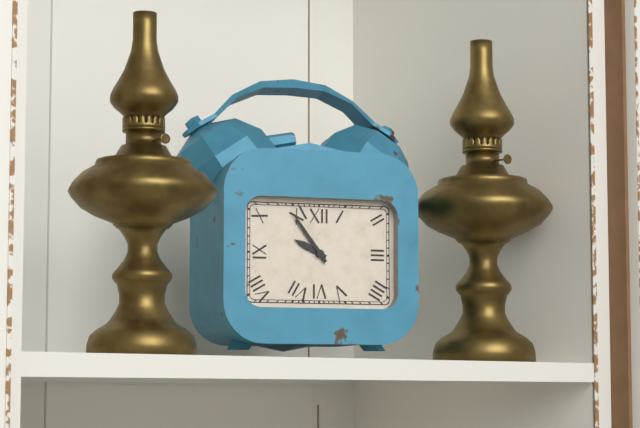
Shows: 9,54
